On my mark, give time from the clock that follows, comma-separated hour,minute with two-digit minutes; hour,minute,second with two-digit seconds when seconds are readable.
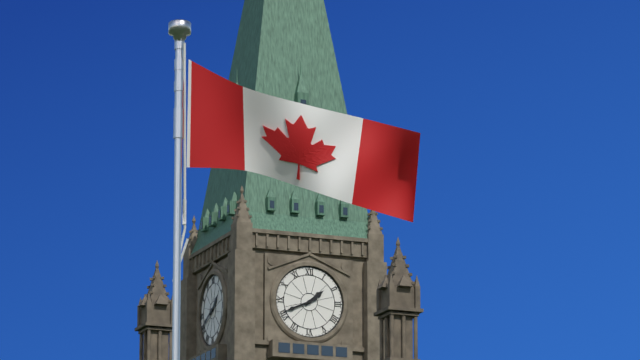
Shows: 1,41
